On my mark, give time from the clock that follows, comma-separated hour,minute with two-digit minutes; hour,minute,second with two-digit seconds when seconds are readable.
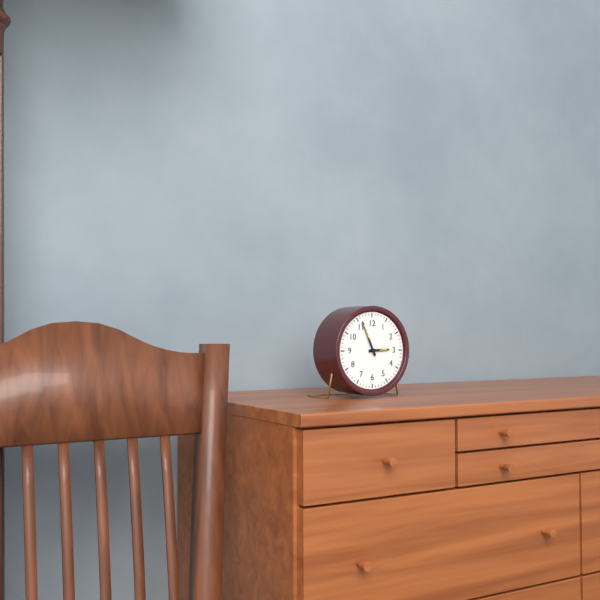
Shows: 2,56
